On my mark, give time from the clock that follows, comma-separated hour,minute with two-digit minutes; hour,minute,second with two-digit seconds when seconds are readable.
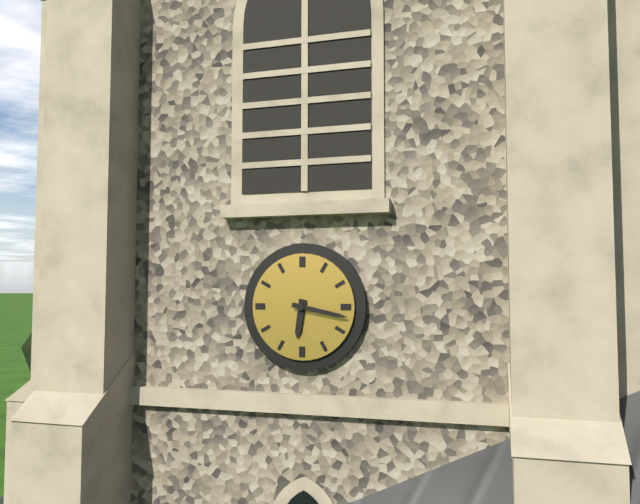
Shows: 6,17
